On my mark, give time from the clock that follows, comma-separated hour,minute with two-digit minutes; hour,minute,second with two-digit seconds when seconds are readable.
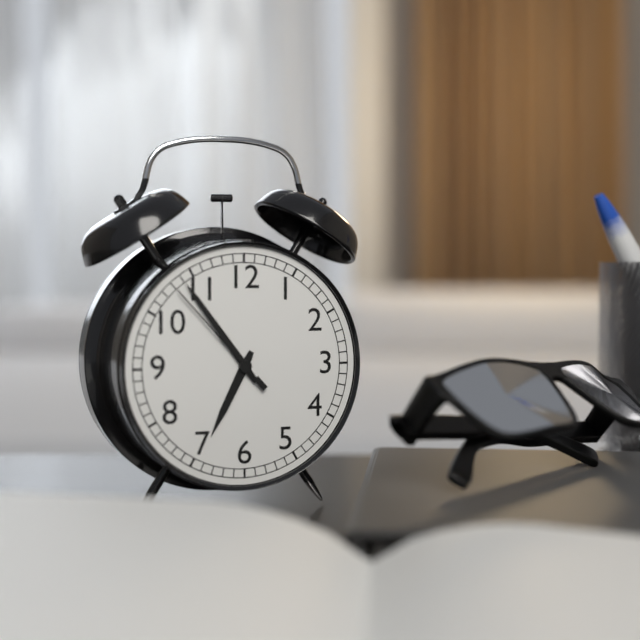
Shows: 6,54,53
